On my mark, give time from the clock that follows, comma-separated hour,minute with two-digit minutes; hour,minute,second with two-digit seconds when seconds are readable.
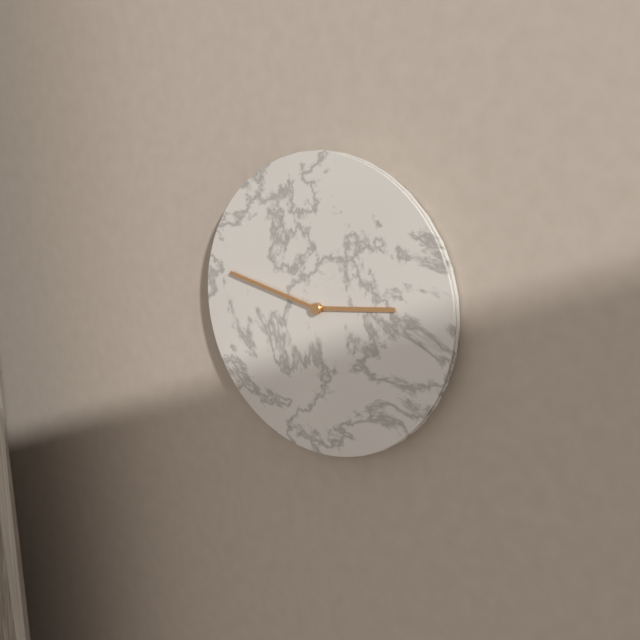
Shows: 2,47
